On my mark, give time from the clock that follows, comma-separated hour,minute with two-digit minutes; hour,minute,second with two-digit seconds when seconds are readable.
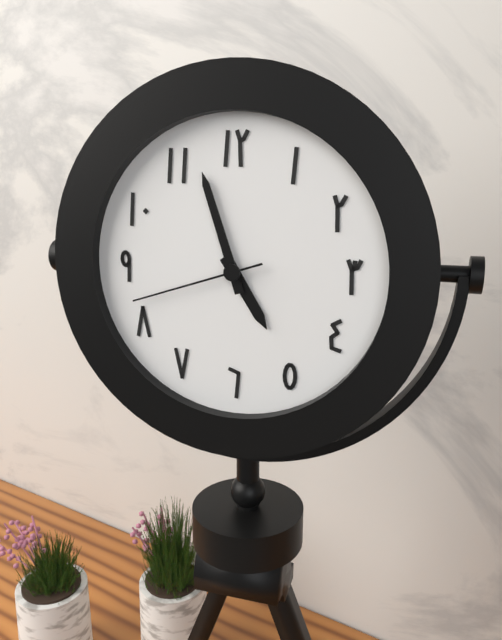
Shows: 4,57,42
